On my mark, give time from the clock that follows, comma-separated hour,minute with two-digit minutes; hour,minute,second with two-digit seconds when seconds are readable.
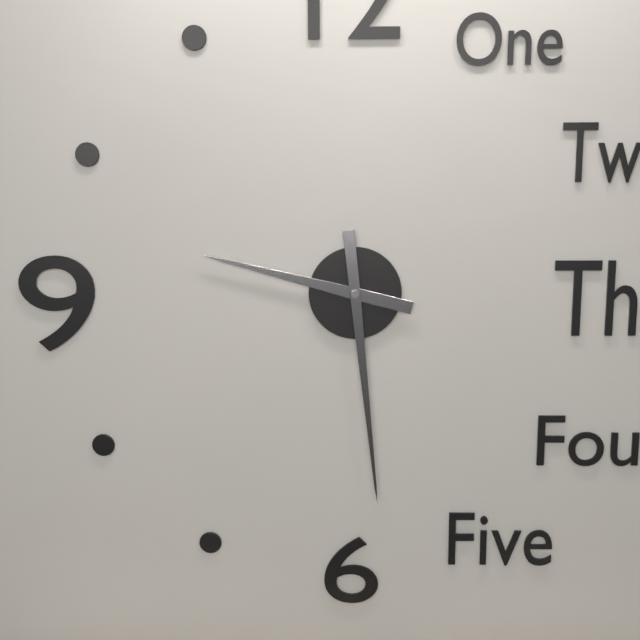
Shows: 9,29
